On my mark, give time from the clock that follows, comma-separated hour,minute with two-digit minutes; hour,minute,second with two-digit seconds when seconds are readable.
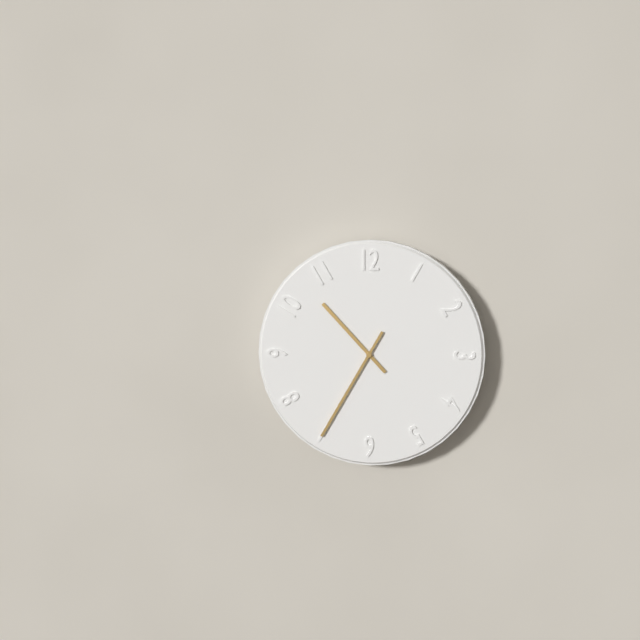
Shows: 10,35
